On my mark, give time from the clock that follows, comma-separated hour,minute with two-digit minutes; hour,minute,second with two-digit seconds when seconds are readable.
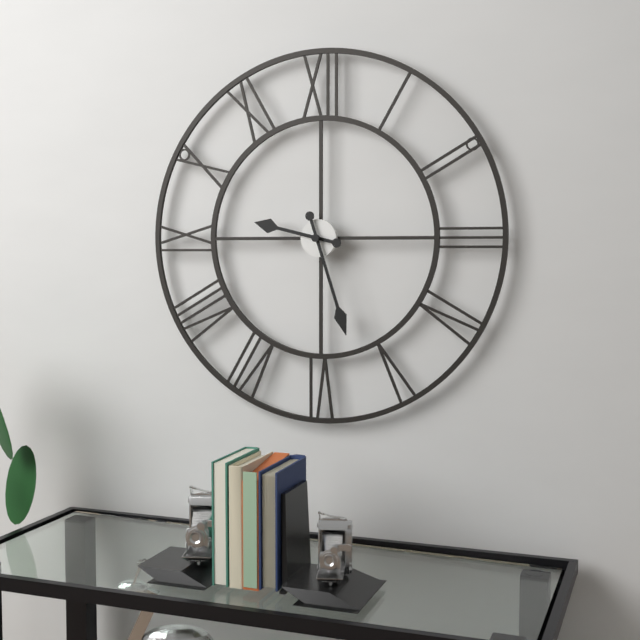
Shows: 9,27
